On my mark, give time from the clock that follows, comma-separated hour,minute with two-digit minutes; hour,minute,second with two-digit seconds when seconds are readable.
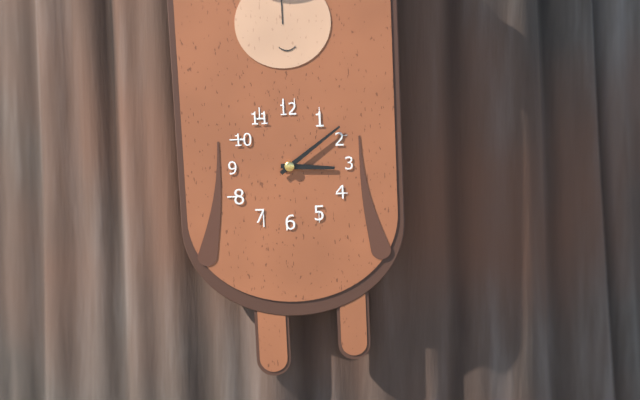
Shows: 3,09
